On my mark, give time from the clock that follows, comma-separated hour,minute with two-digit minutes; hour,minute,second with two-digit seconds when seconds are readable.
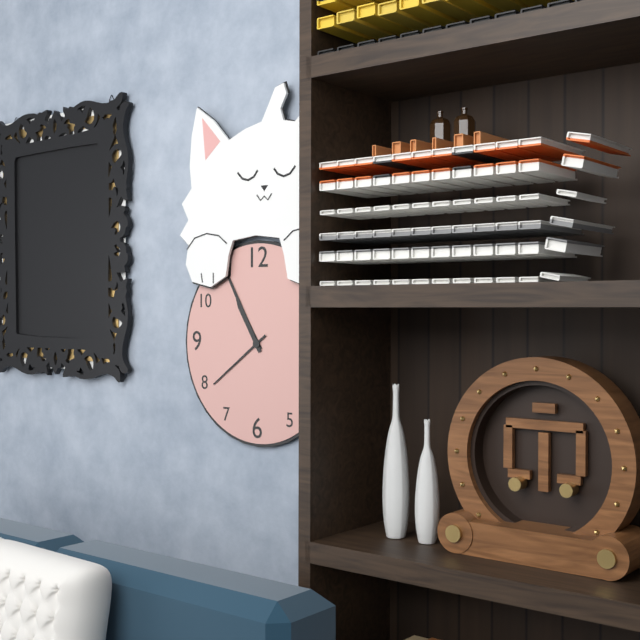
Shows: 10,55,39
